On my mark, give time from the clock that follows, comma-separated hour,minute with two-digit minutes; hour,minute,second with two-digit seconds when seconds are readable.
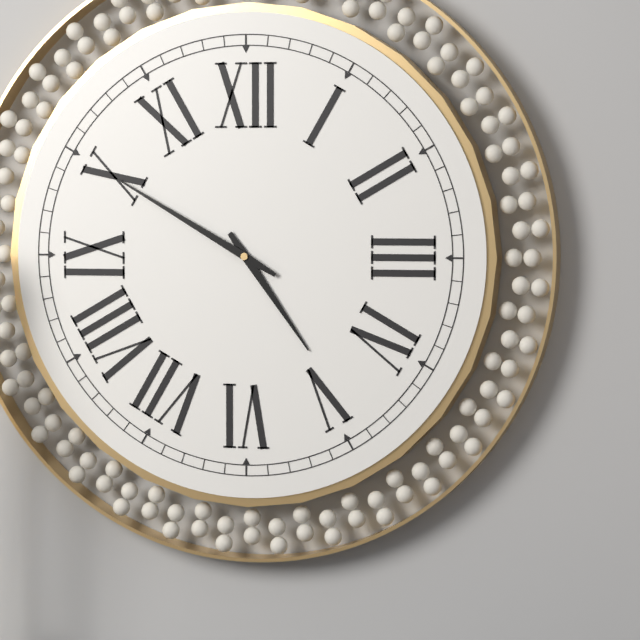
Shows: 4,50
